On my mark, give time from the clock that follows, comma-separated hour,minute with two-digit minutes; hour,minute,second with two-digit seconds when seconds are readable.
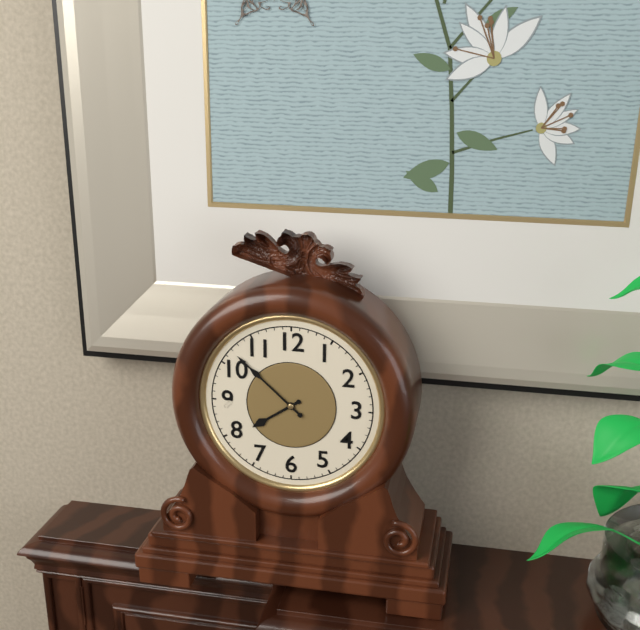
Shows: 7,52
